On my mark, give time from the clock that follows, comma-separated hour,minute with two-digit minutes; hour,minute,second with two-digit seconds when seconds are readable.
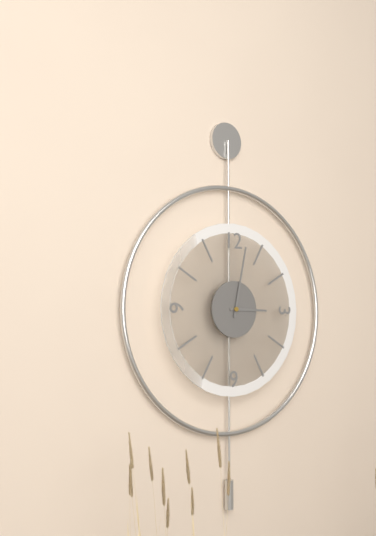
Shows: 3,02
